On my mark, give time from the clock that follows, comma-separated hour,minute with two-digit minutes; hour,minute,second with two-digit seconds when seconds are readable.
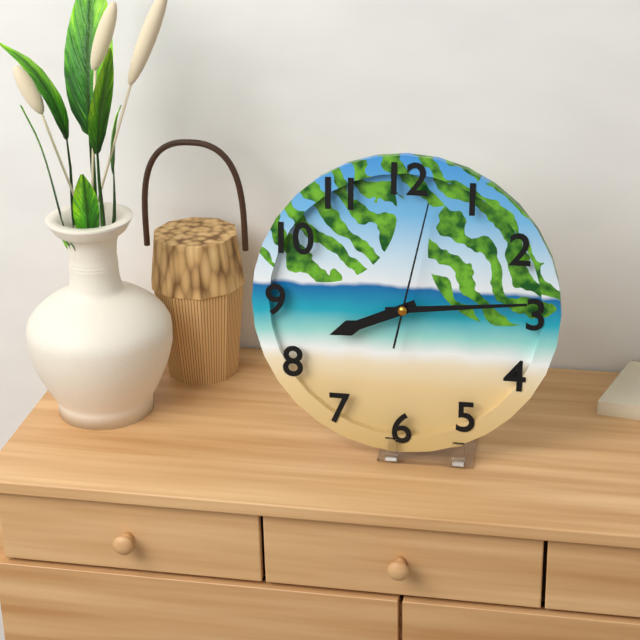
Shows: 8,14,02
